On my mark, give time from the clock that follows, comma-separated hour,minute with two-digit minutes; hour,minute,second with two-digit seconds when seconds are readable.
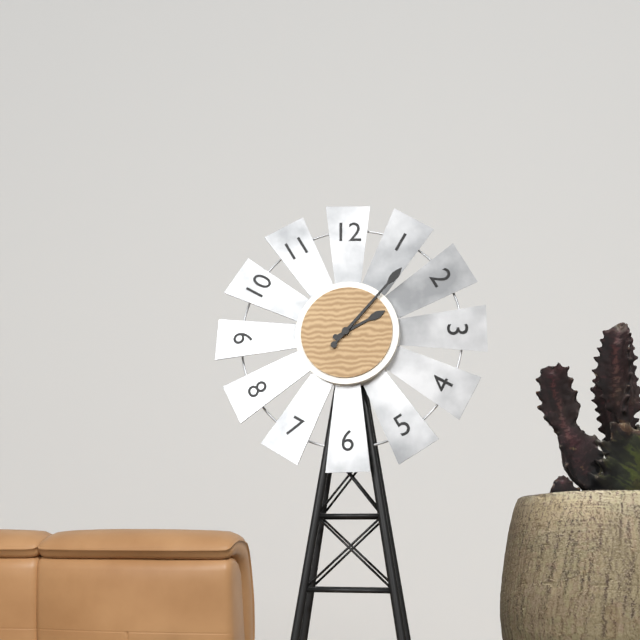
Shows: 2,07
